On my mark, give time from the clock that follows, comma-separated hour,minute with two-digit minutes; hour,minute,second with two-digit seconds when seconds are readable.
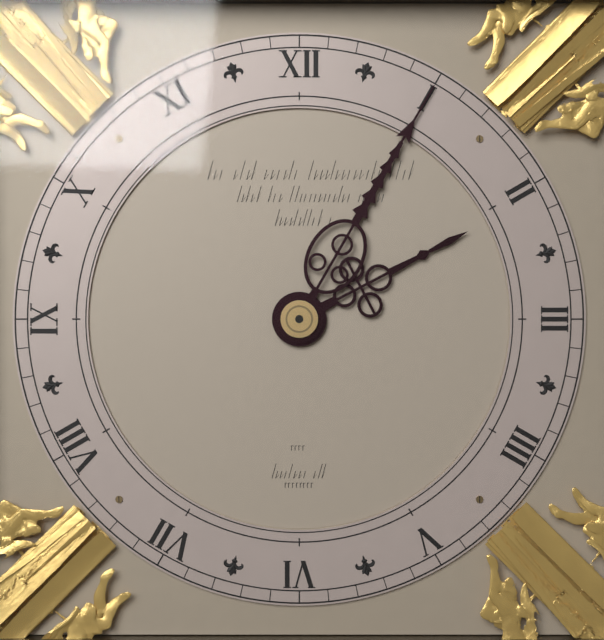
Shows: 2,05
